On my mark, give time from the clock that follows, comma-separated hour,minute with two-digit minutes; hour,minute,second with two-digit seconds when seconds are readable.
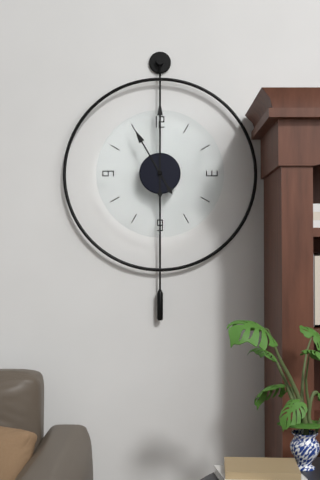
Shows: 11,00
